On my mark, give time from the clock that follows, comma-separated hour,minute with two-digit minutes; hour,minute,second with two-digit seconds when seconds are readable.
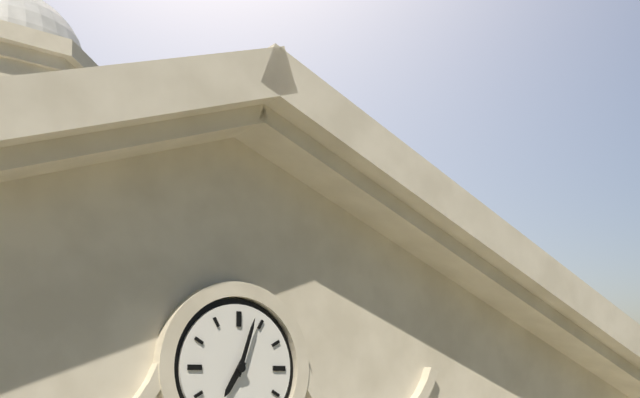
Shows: 7,03
